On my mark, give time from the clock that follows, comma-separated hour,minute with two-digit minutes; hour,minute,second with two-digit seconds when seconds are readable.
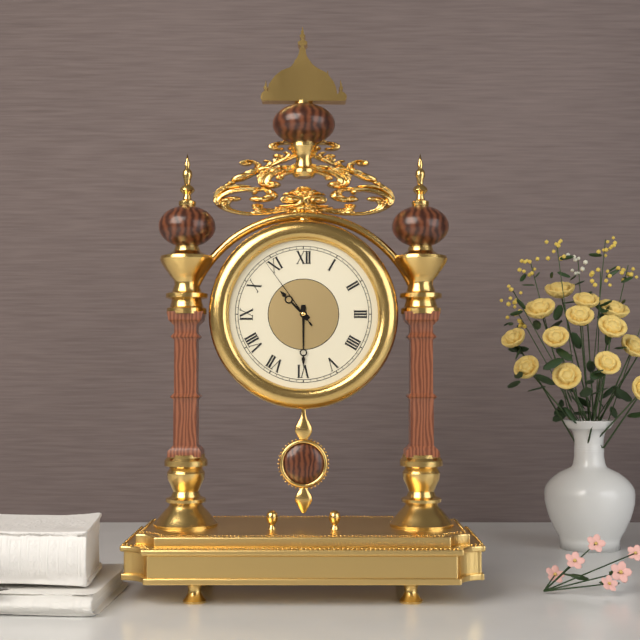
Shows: 10,30,54
